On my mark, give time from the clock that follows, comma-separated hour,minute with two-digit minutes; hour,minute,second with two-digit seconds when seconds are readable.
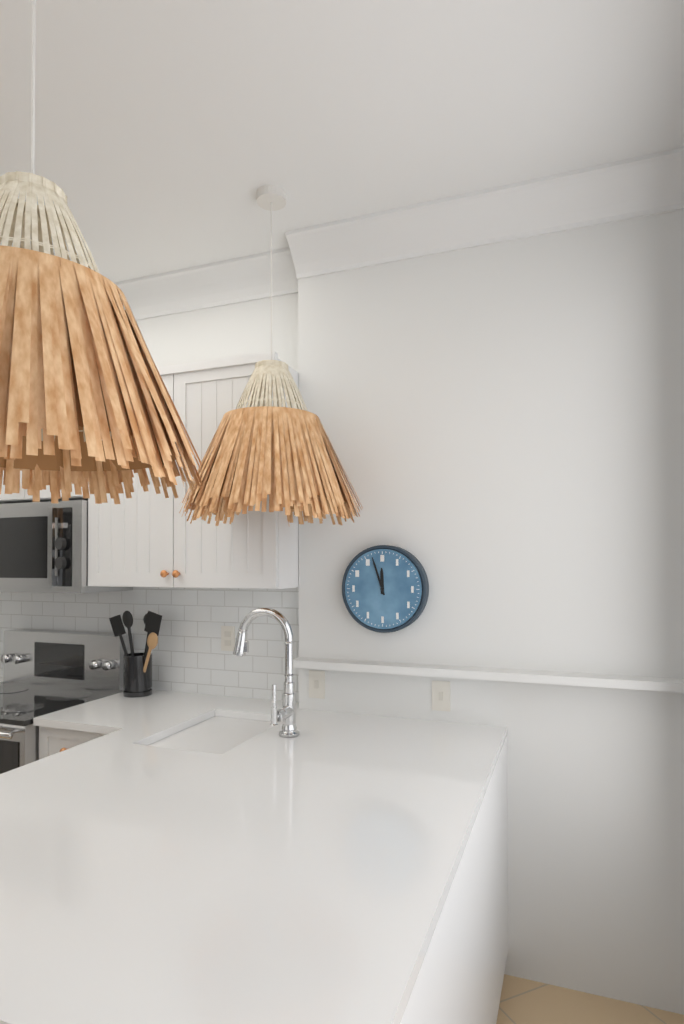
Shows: 11,57
